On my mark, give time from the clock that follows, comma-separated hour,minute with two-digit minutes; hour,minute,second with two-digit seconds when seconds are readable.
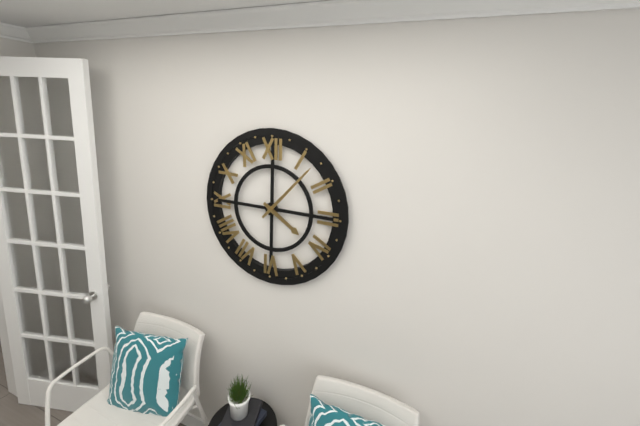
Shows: 4,07
